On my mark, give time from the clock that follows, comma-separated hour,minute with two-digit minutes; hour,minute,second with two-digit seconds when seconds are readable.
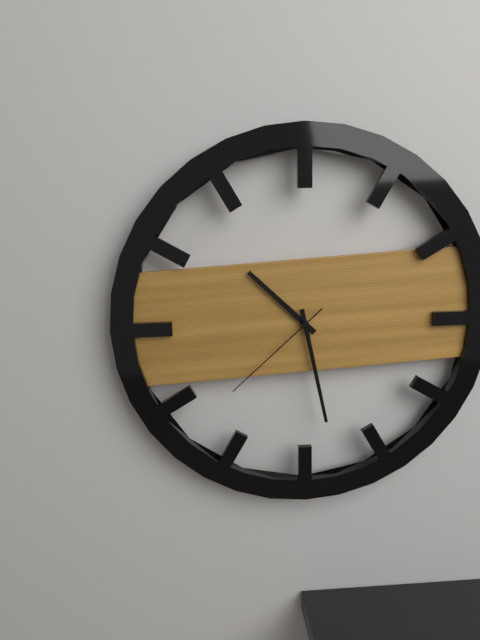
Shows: 10,28,38
